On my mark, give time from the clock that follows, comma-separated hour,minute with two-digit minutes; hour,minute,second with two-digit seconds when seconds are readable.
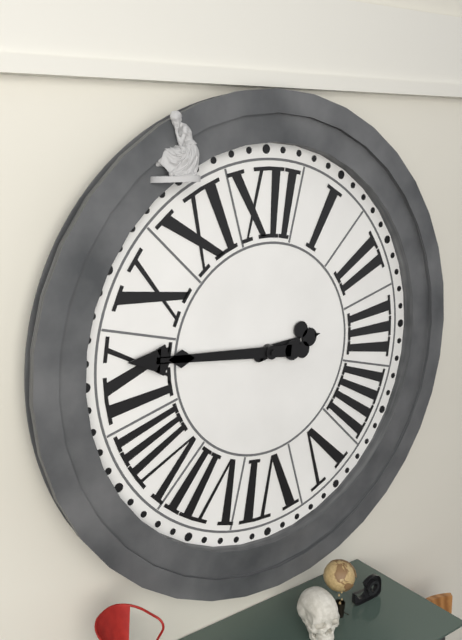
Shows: 2,46
